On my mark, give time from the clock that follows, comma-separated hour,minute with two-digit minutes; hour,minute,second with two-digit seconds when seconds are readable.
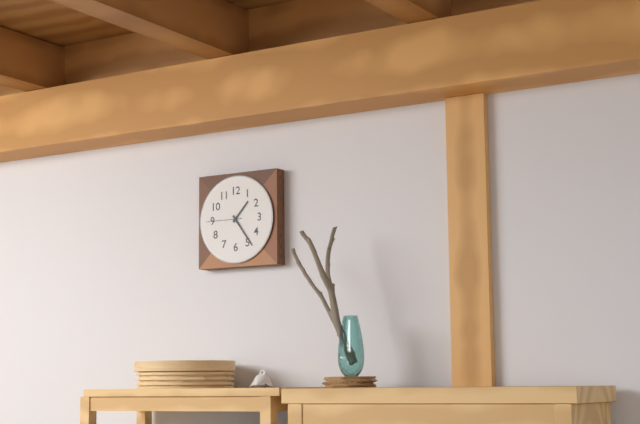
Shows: 1,24
